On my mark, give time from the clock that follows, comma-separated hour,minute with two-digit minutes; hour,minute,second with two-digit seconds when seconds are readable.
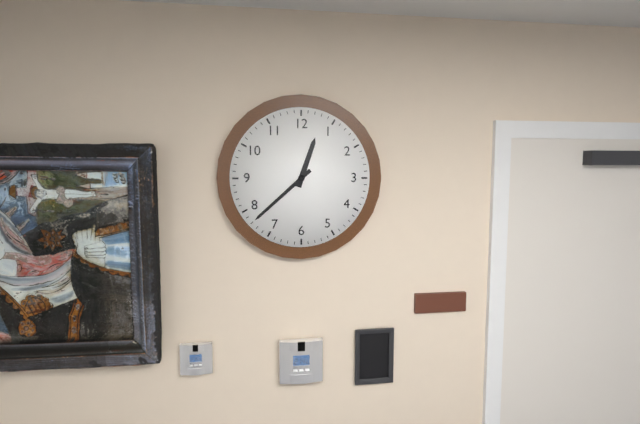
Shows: 12,38
